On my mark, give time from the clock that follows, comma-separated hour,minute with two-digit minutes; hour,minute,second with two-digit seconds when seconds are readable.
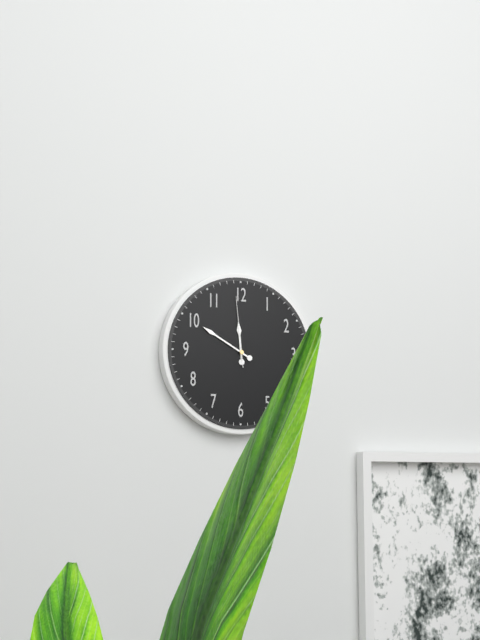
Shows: 11,50,59
